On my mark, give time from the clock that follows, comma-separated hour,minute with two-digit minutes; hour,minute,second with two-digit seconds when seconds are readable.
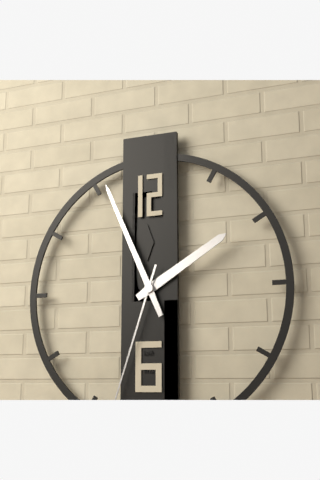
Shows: 1,56,33
